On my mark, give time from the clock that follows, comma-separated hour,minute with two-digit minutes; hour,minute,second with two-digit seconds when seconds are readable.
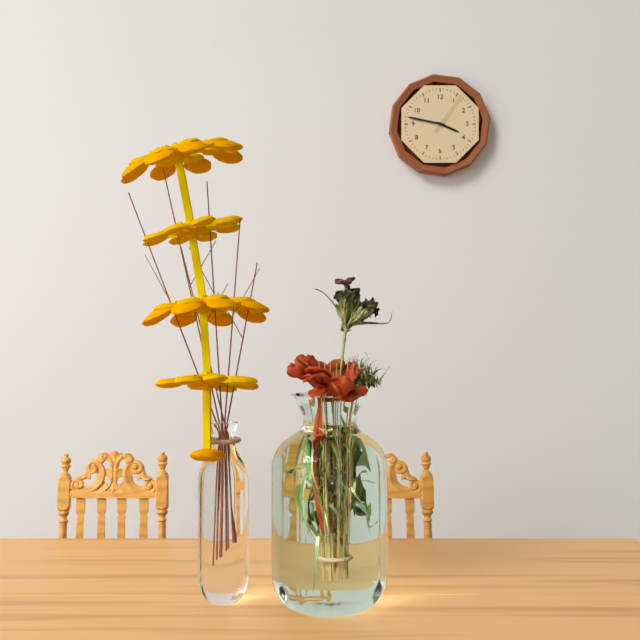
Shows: 3,47
